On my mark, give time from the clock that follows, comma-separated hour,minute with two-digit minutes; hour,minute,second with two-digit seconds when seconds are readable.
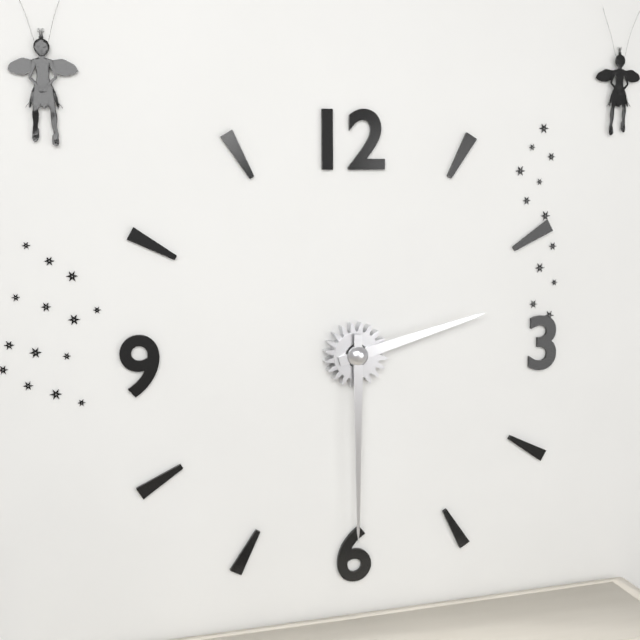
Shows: 2,30
